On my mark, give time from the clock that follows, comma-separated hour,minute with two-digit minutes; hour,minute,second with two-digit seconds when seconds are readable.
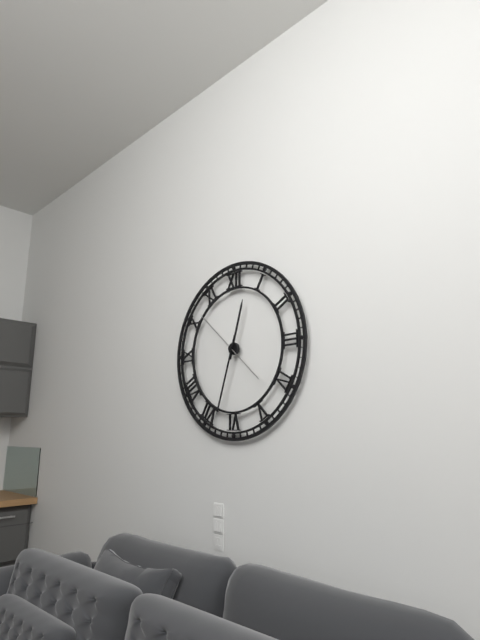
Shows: 12,33,52
